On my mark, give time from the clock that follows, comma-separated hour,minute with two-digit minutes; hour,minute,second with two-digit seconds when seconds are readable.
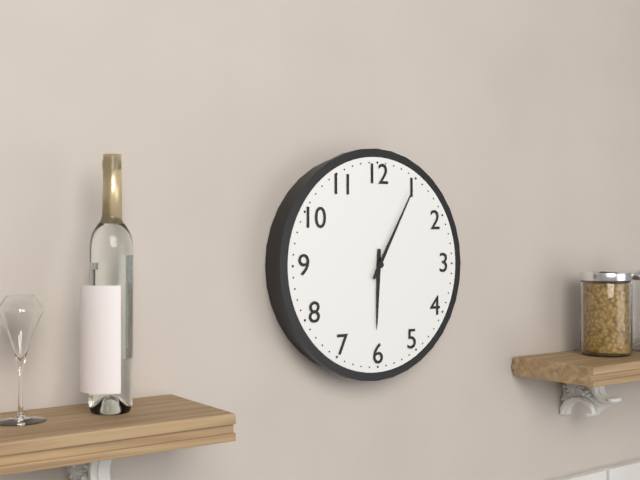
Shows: 6,05
